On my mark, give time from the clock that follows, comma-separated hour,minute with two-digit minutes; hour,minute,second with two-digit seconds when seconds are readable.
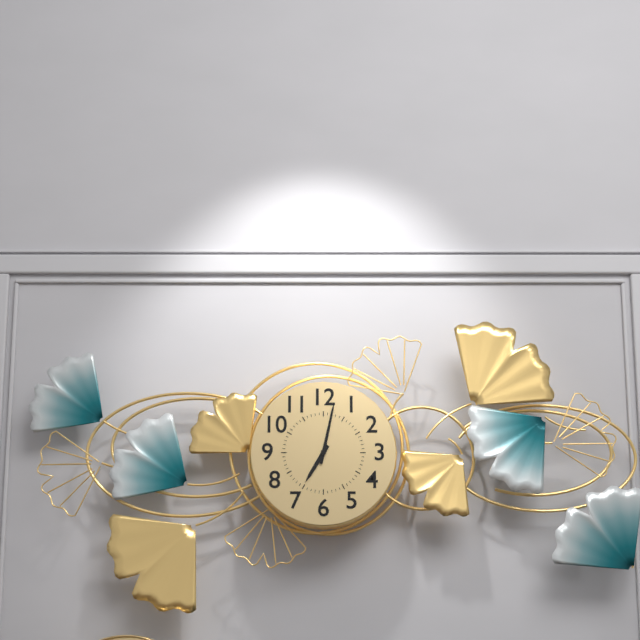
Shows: 7,02
